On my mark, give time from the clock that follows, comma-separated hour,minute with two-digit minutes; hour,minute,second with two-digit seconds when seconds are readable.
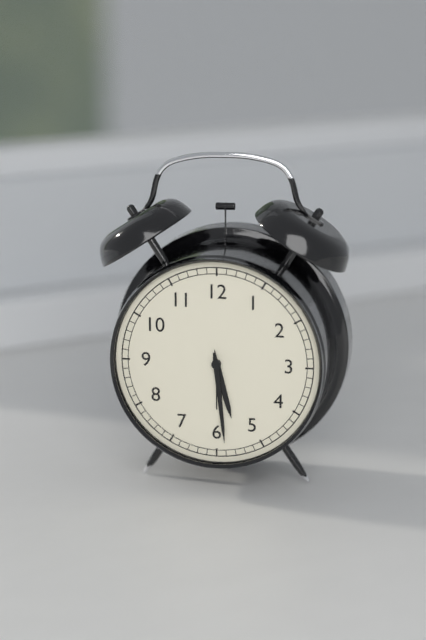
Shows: 5,29
